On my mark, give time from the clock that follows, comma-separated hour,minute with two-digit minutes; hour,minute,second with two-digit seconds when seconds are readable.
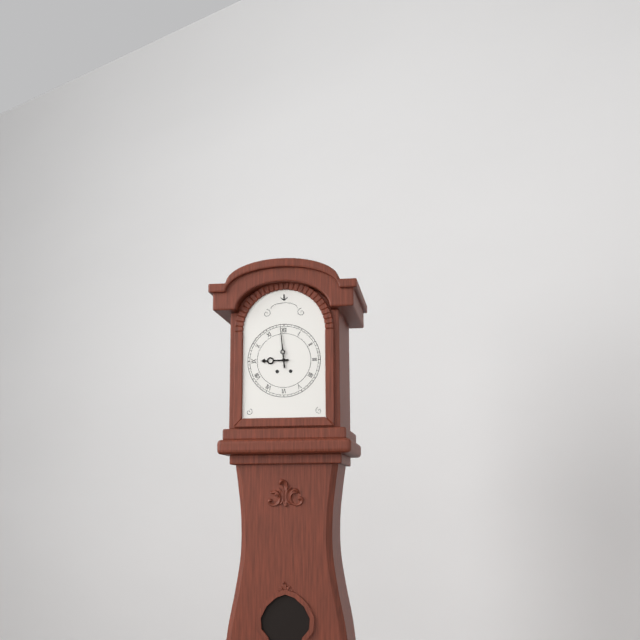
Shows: 8,59
